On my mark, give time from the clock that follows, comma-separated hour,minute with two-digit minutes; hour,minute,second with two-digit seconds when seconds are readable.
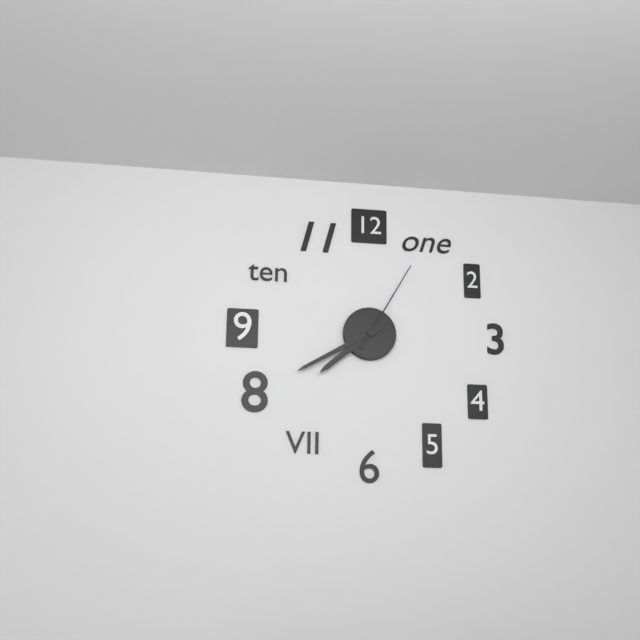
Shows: 7,40,05
